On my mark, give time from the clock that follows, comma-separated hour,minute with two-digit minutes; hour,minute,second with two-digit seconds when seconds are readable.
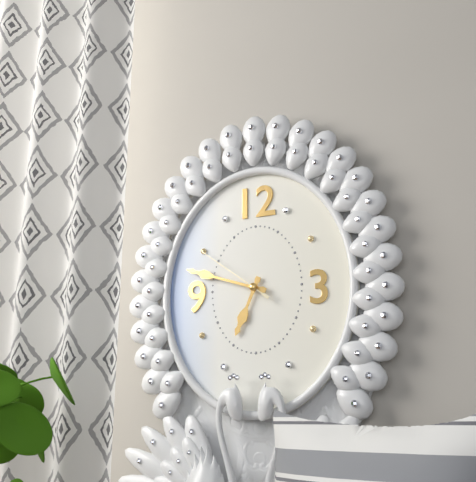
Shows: 6,48,51
